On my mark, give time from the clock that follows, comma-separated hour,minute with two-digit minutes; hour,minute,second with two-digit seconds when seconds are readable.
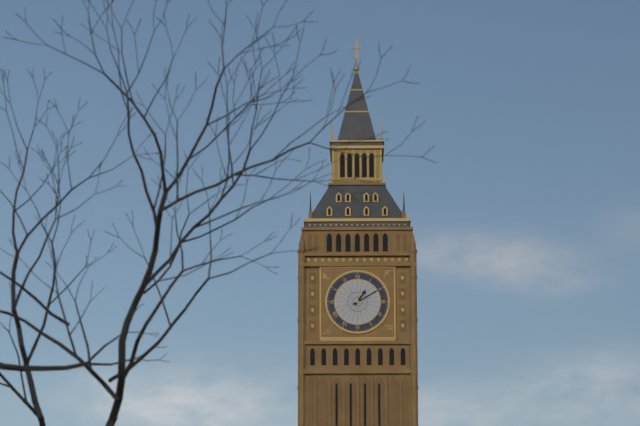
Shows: 1,10
